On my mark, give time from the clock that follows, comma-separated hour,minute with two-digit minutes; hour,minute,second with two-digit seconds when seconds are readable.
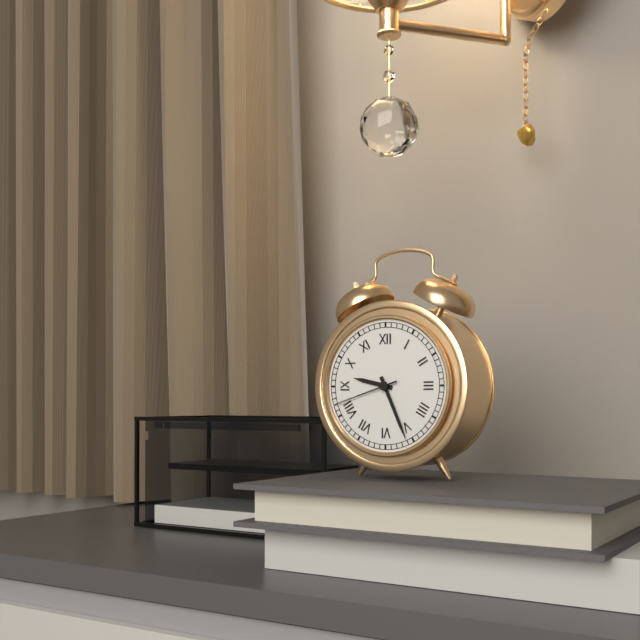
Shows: 9,26,42
